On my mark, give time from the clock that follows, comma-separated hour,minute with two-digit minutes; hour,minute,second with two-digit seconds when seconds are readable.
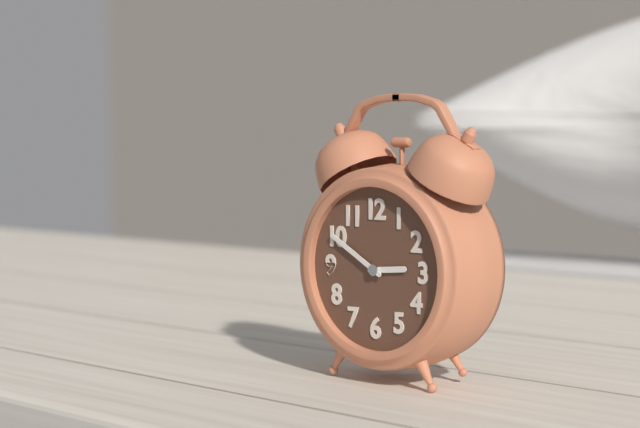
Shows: 2,50
